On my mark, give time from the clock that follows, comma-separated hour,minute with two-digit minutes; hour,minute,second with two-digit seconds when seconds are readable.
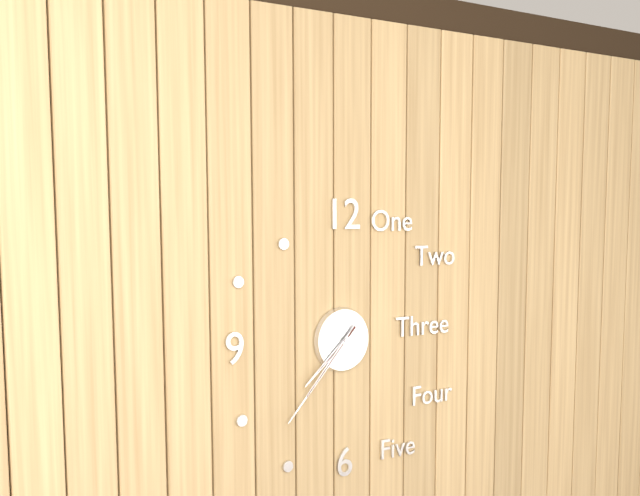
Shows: 7,37
